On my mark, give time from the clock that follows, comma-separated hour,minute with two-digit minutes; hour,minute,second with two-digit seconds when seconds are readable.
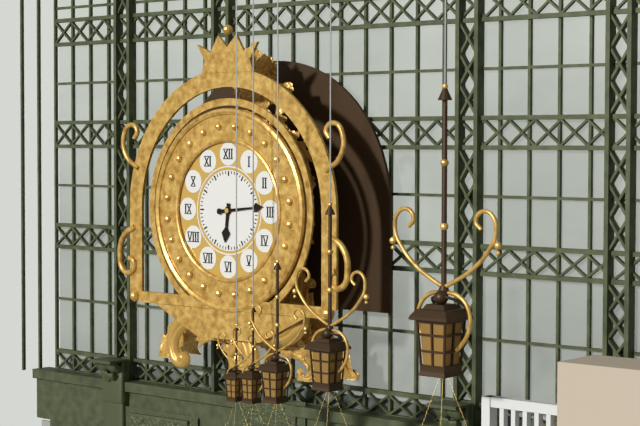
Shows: 6,14
